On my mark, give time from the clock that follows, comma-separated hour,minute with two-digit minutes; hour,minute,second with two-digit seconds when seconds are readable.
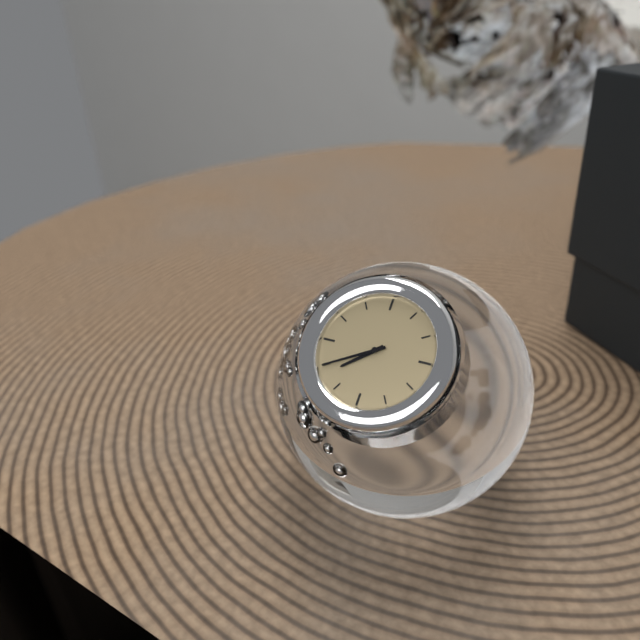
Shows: 7,40
